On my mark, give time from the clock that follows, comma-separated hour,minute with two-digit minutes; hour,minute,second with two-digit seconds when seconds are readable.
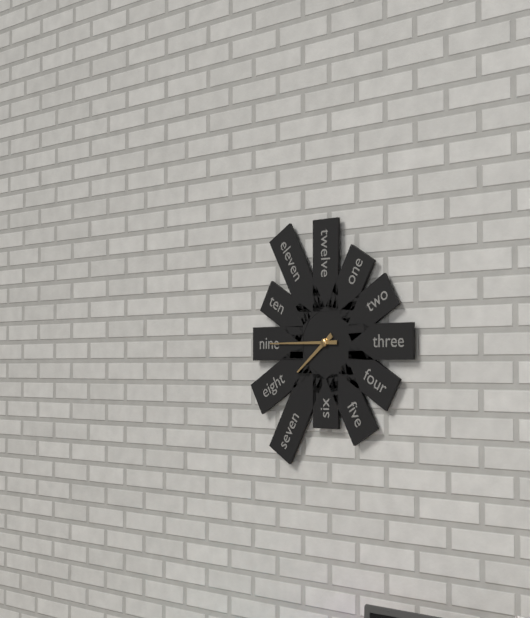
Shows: 7,45
